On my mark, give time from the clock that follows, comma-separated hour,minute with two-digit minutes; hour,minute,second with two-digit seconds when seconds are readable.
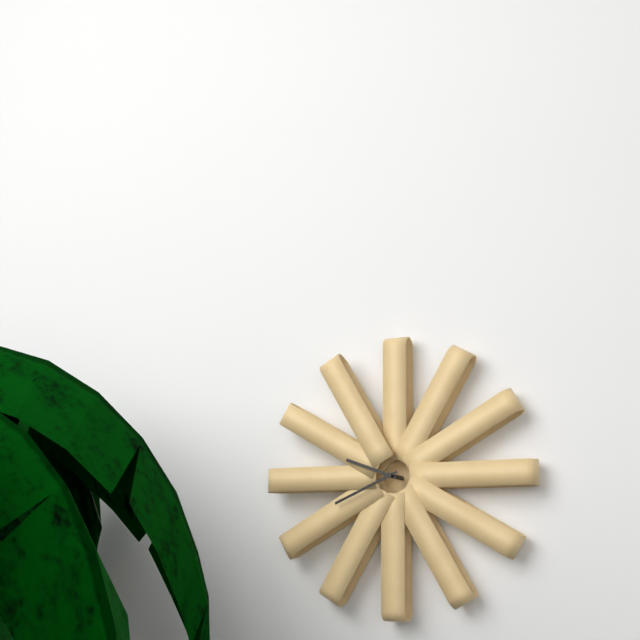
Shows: 9,41
